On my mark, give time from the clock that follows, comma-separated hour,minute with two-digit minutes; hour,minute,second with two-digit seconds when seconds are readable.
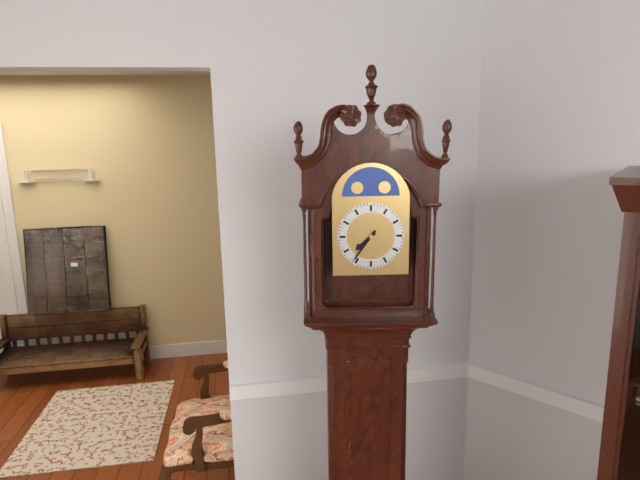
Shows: 7,36
